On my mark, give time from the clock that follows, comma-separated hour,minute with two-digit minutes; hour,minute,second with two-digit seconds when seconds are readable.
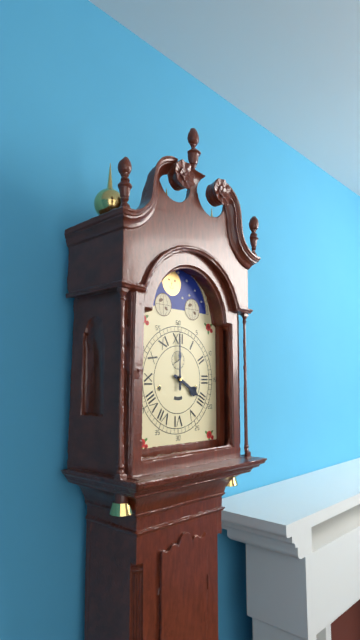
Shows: 4,00
